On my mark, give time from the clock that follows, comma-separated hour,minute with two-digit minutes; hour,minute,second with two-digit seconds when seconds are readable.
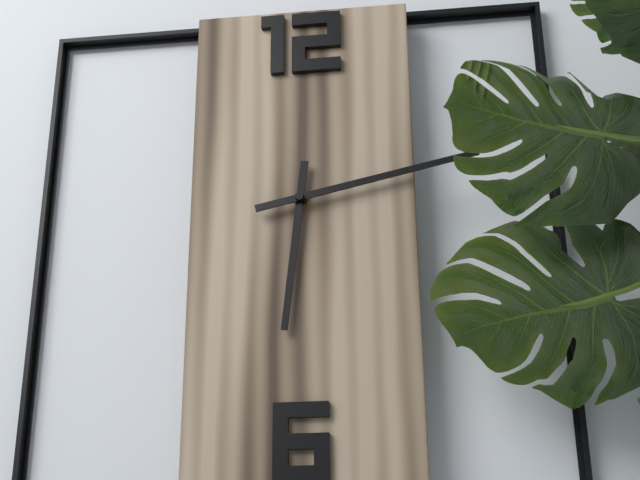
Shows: 6,13
